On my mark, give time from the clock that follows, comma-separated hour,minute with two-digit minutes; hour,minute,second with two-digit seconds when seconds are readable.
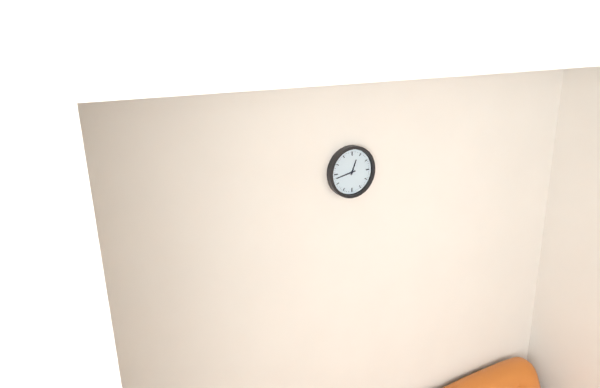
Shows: 12,43
